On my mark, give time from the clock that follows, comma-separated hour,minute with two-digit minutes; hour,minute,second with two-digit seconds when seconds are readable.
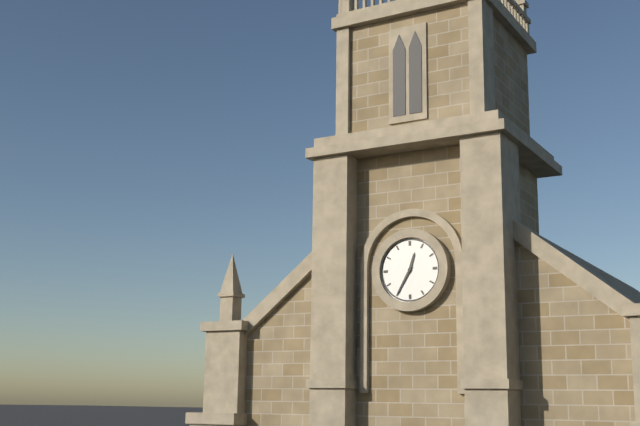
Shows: 12,35
